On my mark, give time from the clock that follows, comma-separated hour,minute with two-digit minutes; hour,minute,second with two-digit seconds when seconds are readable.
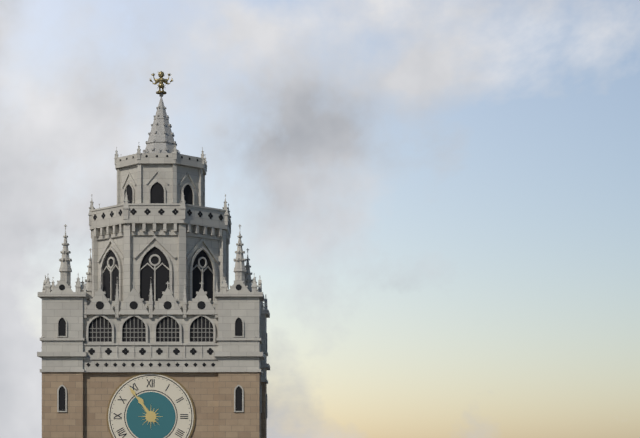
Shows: 10,54
